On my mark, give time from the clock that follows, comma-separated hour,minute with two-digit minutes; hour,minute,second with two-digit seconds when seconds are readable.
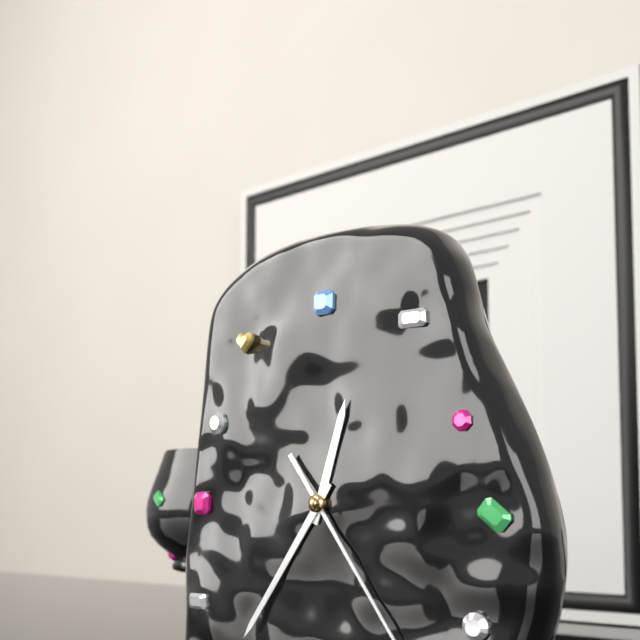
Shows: 12,36
